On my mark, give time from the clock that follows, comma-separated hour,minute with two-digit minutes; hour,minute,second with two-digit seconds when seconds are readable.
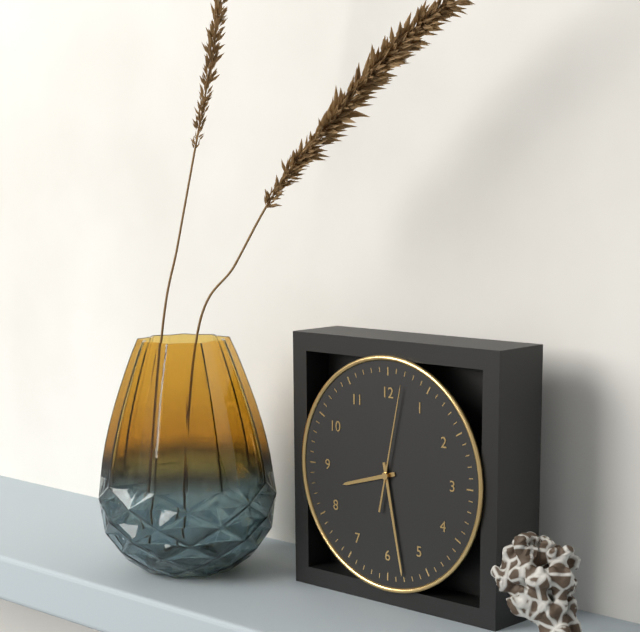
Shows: 8,28,02
